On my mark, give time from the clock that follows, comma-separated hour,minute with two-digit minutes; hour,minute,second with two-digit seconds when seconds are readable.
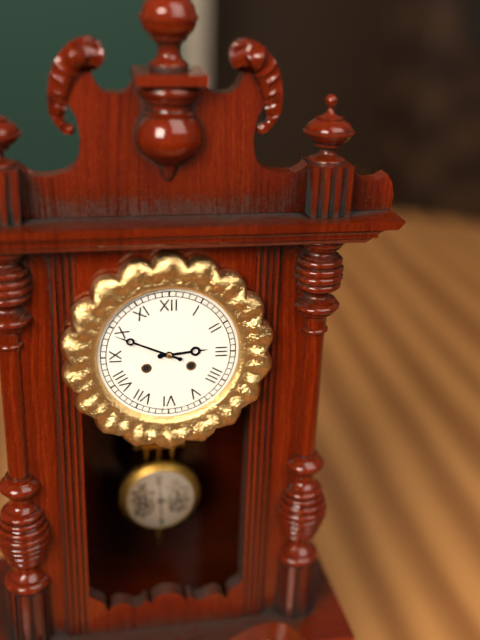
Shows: 2,49
